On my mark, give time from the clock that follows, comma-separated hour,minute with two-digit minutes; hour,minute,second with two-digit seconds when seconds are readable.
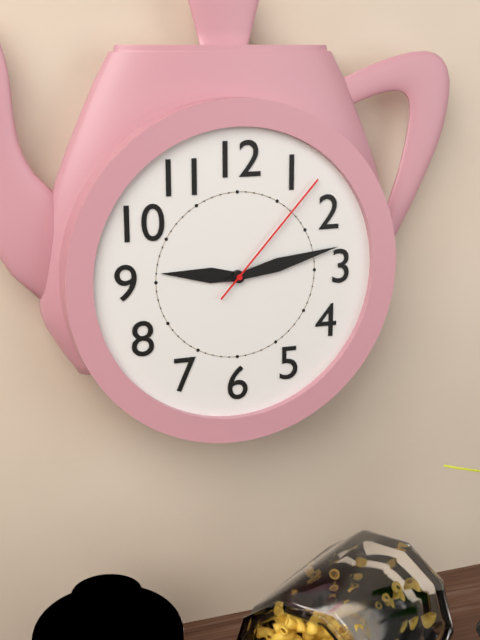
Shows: 9,13,07
